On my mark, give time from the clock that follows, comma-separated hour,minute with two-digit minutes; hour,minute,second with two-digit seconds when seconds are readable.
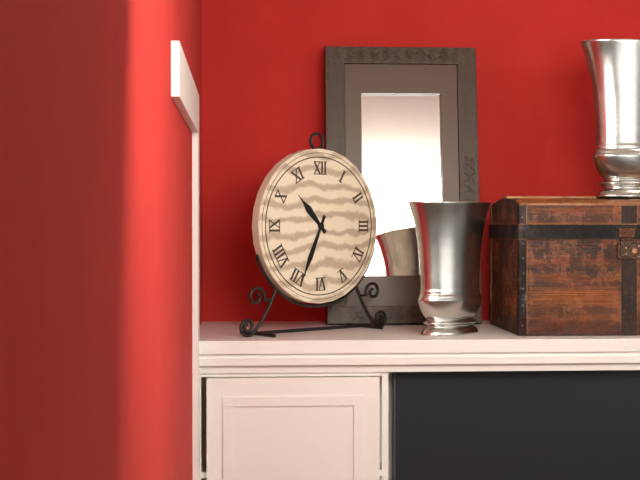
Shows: 10,34
